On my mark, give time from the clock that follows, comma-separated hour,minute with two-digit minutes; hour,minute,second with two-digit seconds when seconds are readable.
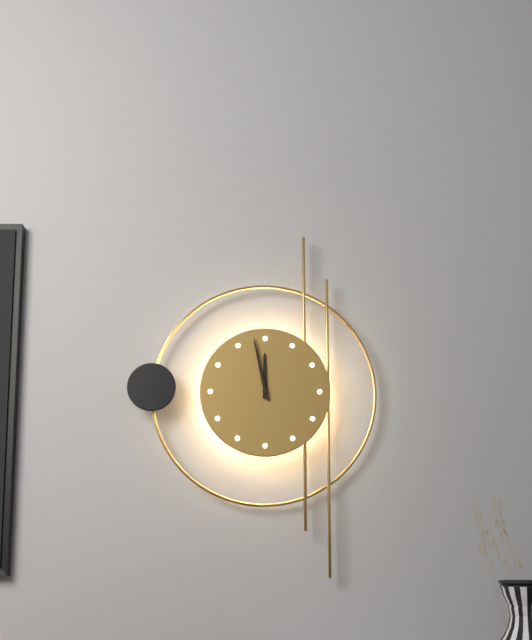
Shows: 11,58
